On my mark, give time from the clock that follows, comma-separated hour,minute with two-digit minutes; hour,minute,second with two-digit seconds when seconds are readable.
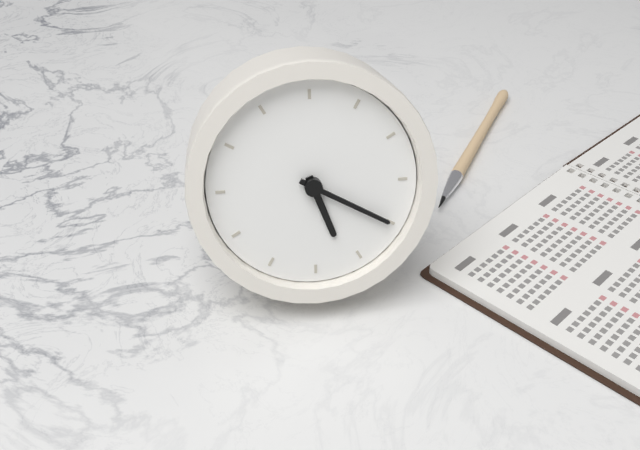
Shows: 5,20
